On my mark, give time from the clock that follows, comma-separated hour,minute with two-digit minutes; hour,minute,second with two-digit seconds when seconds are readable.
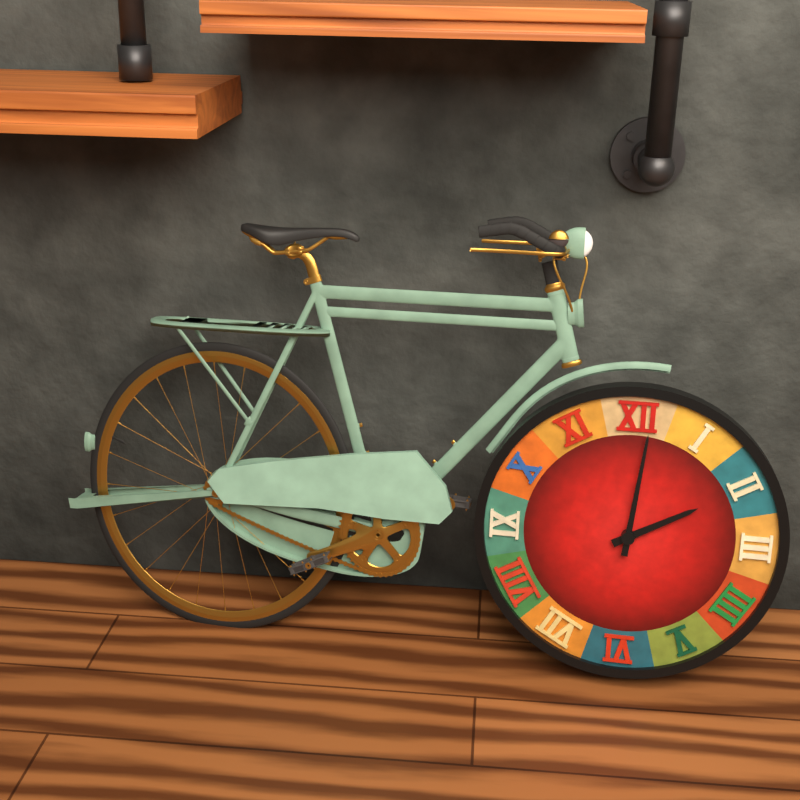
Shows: 2,01
